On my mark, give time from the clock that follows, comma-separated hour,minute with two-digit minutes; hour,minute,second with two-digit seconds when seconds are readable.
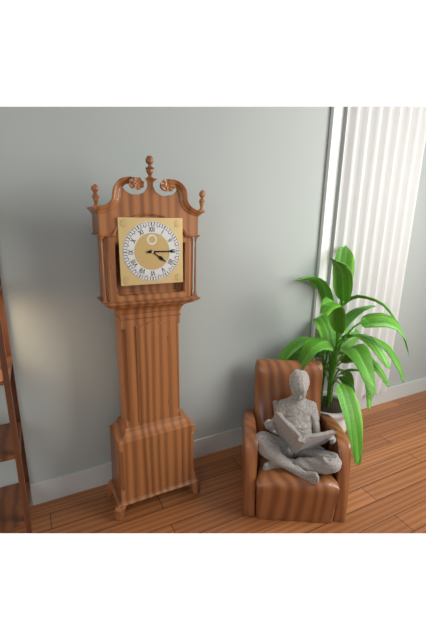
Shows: 4,15
